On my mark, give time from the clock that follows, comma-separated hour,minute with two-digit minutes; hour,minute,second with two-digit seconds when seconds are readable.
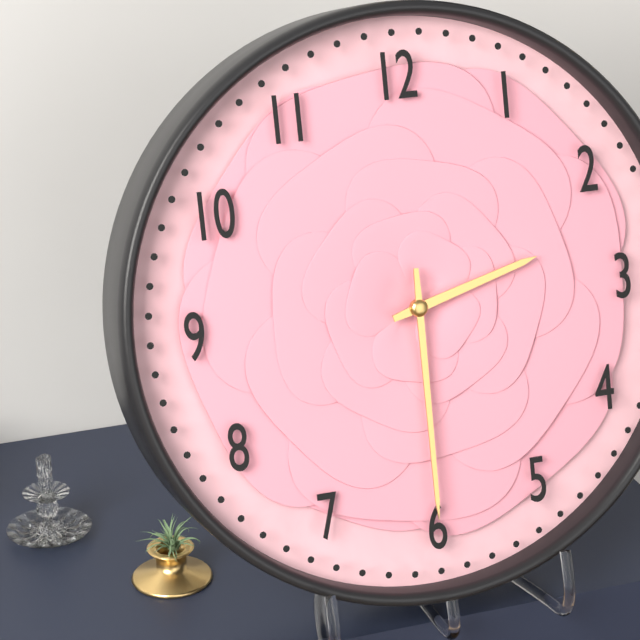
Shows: 2,30
